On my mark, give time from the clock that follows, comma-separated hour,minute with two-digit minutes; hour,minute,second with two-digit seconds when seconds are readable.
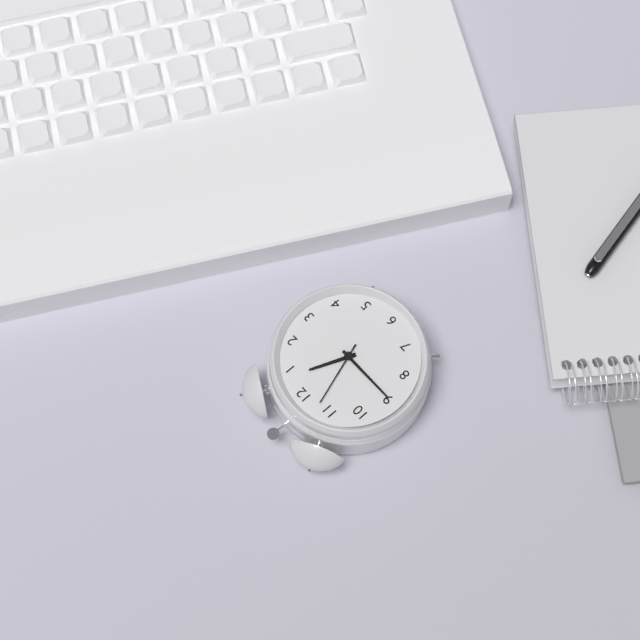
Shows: 12,45
